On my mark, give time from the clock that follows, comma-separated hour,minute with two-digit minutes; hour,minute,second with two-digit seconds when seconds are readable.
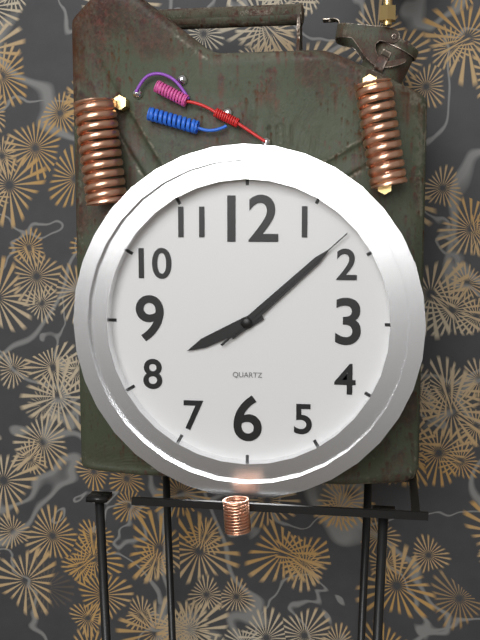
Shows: 8,08,08
